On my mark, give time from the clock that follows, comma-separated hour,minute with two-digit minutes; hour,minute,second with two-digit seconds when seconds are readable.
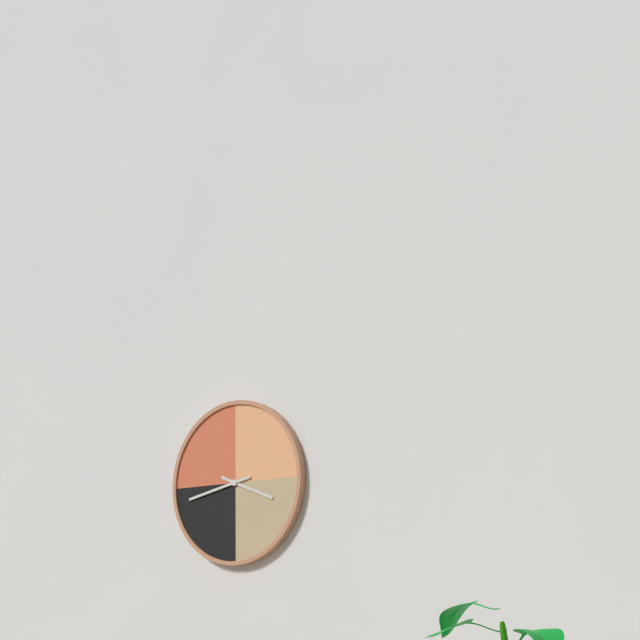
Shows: 3,43
